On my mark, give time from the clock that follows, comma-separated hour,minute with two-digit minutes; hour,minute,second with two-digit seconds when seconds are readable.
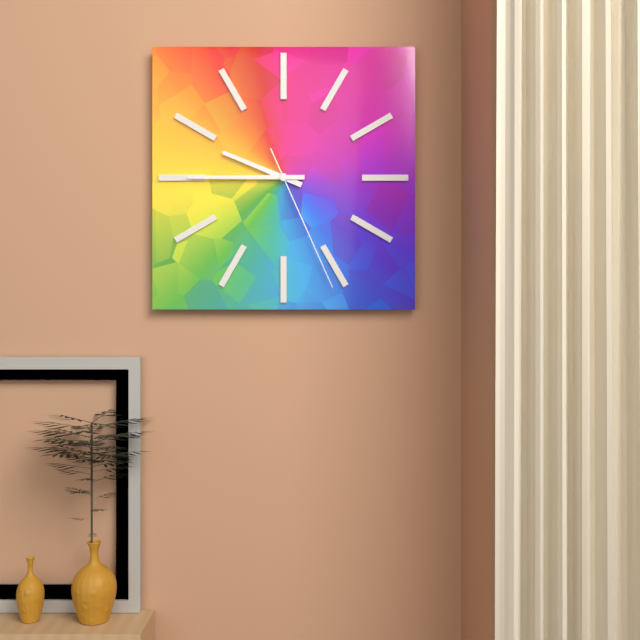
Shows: 9,45,26
